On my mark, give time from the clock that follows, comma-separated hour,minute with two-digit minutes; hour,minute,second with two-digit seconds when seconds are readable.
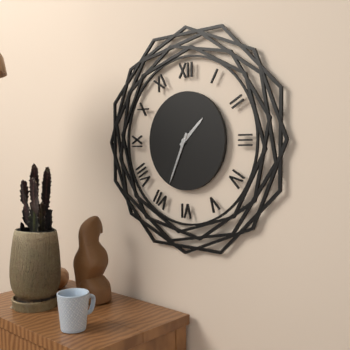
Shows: 1,34
